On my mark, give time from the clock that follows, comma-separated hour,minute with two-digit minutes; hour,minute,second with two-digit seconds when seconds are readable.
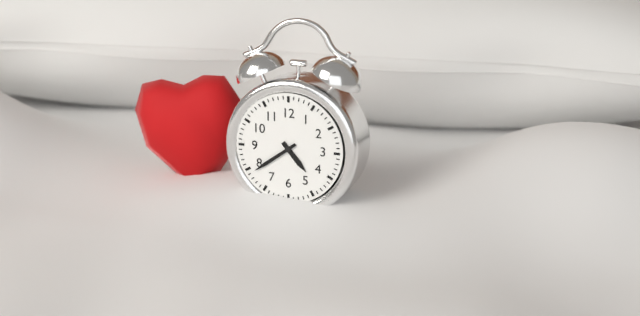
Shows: 4,39
